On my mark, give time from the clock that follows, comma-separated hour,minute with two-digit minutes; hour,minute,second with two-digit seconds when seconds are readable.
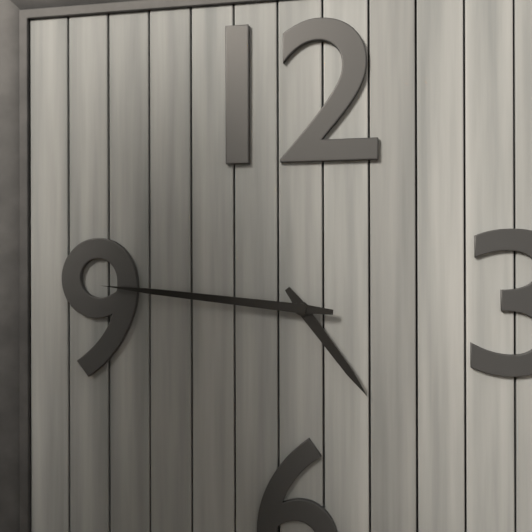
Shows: 4,46
